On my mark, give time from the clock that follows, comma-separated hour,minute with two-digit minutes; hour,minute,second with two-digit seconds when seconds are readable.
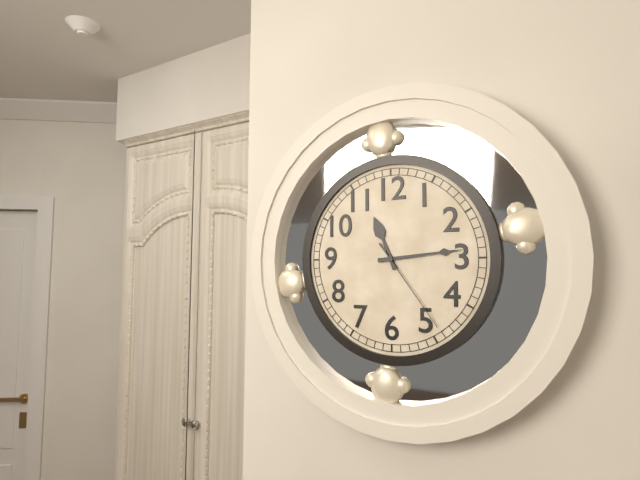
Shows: 11,14,24
